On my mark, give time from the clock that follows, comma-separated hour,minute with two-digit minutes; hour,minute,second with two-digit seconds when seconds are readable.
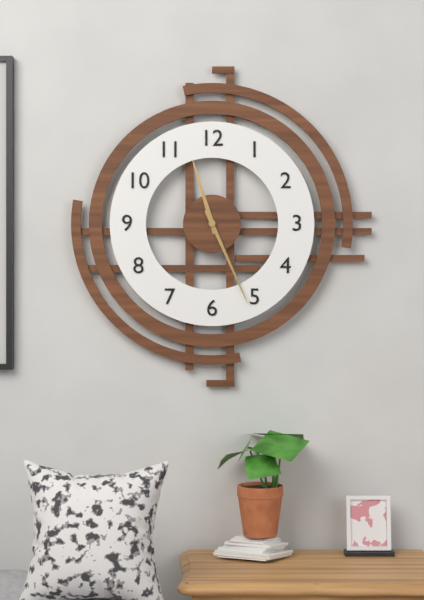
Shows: 11,26
